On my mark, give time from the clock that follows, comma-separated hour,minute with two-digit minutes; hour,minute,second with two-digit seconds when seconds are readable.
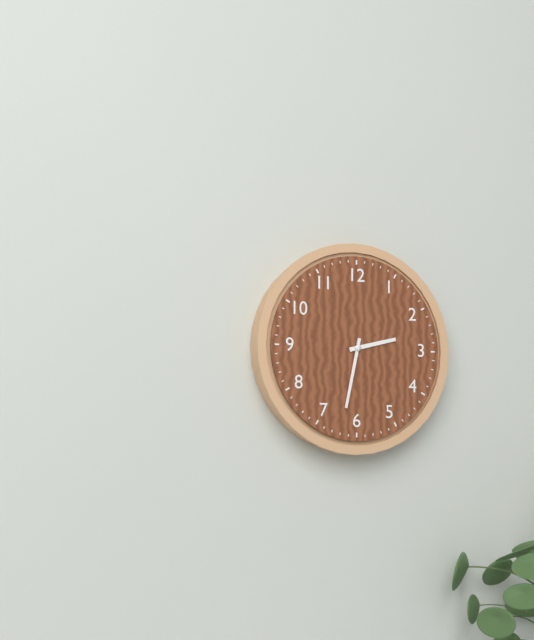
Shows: 2,32
